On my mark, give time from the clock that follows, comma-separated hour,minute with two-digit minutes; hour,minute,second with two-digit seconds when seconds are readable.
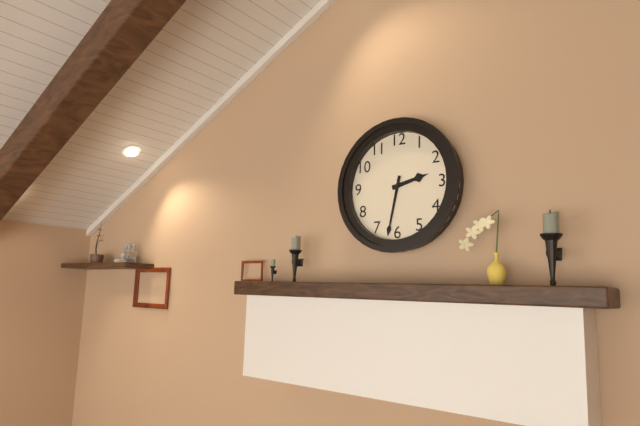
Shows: 2,32
